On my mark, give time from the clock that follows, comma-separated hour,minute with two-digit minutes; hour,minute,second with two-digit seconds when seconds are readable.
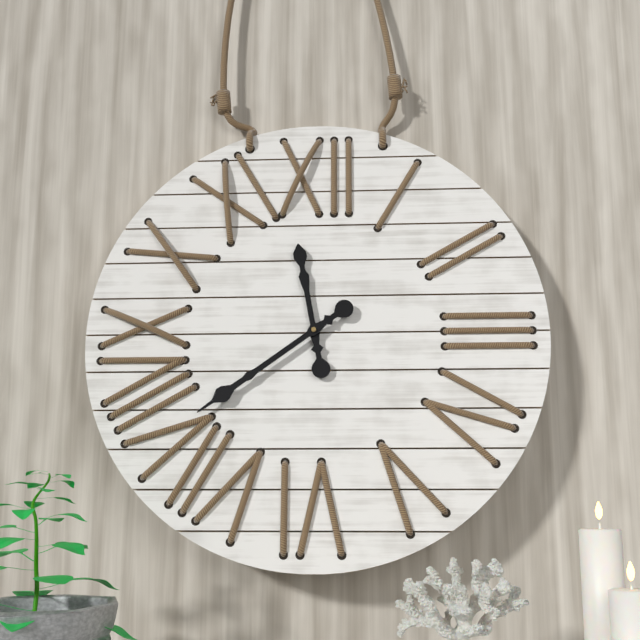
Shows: 11,39
